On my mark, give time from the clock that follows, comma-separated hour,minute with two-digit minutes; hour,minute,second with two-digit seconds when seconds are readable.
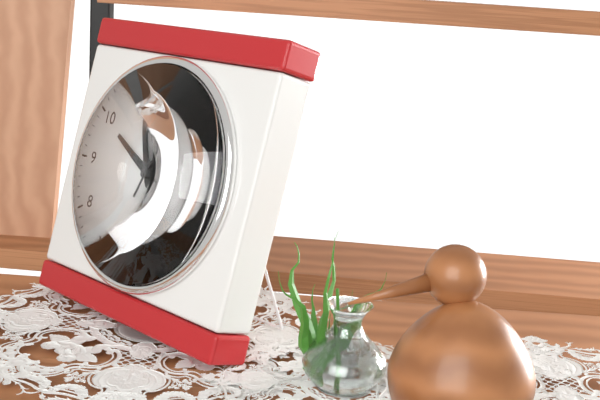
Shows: 9,56,03
